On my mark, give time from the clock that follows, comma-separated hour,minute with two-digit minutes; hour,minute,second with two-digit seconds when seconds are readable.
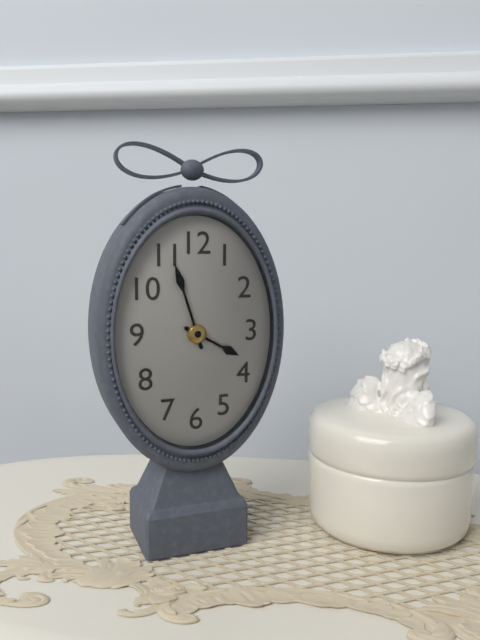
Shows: 3,57
